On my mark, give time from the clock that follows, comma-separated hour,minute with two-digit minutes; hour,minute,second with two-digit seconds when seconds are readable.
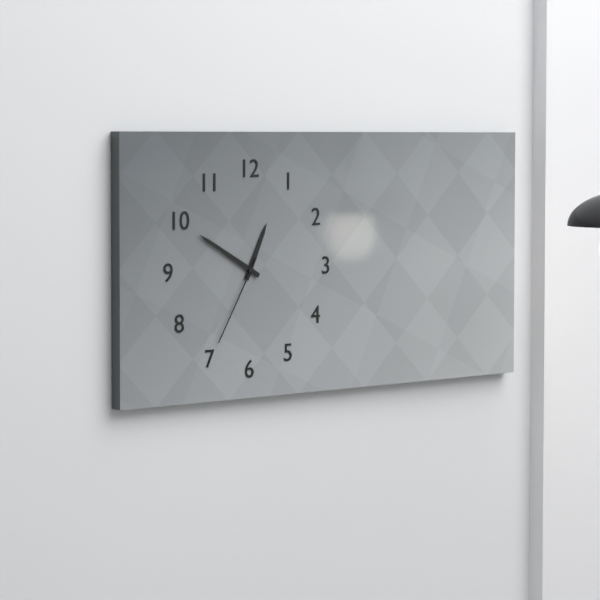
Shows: 12,50,35
